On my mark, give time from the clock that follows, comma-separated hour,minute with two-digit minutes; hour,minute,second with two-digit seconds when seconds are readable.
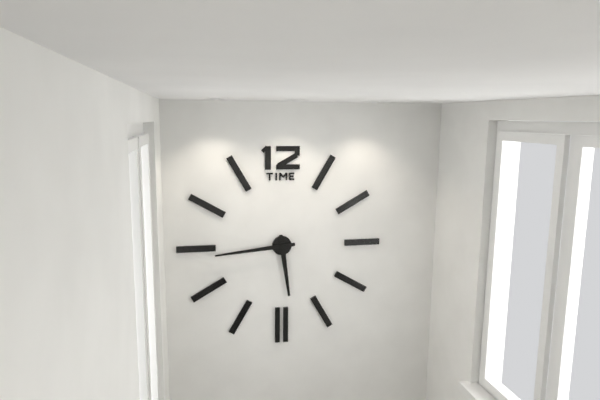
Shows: 5,44
